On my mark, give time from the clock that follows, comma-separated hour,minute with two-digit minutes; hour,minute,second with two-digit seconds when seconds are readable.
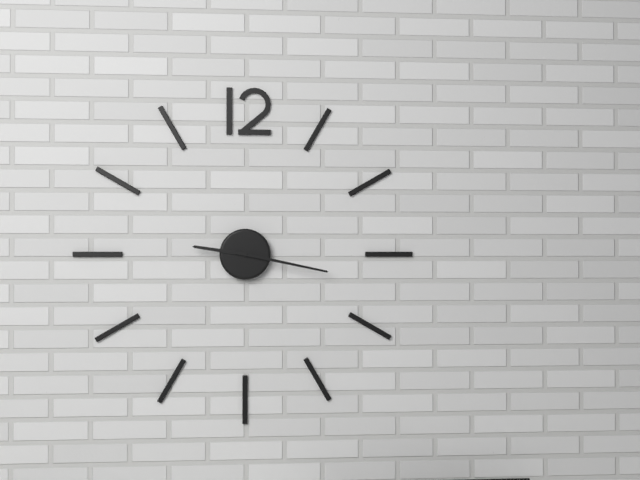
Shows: 9,17
